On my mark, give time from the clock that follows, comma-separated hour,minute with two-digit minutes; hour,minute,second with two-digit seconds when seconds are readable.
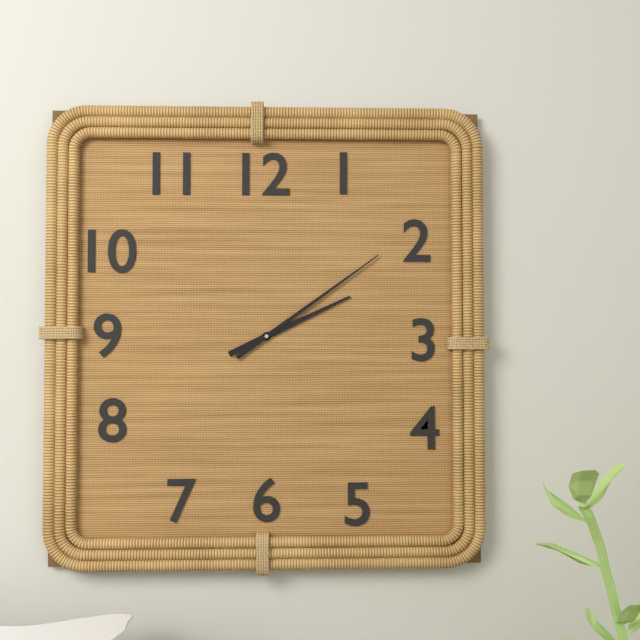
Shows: 2,09
